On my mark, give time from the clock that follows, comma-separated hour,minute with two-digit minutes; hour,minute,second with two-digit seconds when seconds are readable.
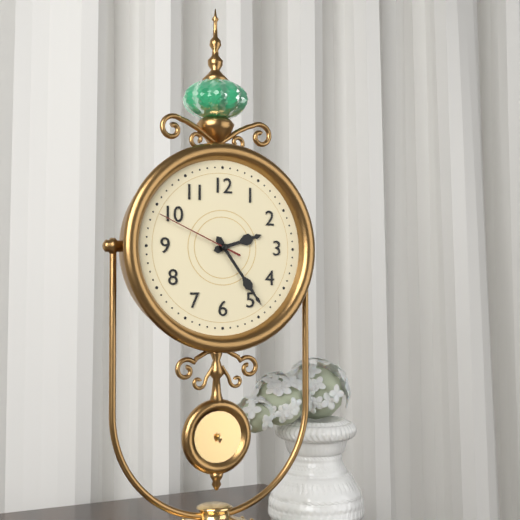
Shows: 2,24,49
